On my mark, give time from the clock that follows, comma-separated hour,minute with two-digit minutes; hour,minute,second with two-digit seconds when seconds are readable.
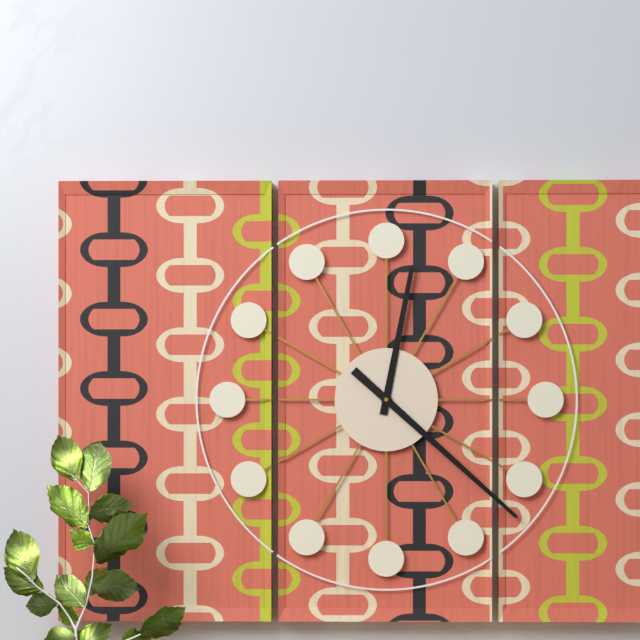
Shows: 12,22
